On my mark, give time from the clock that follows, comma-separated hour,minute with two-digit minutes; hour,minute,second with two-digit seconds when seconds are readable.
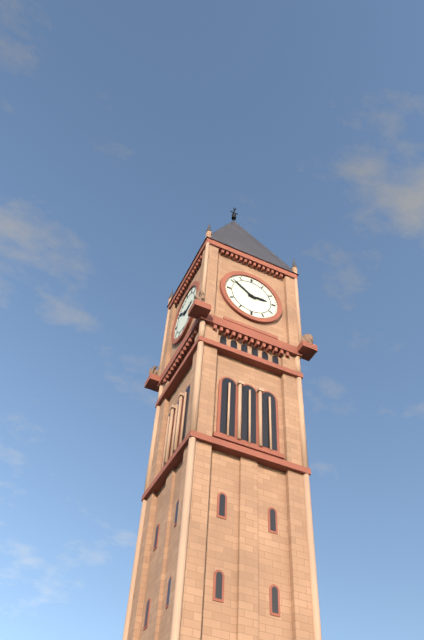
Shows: 2,51
